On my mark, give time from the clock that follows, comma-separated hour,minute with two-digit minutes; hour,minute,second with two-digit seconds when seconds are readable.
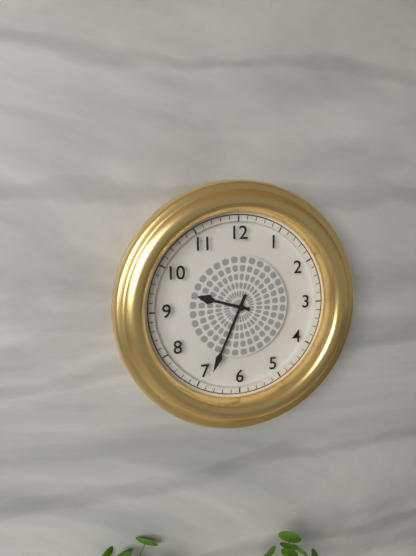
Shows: 9,34
